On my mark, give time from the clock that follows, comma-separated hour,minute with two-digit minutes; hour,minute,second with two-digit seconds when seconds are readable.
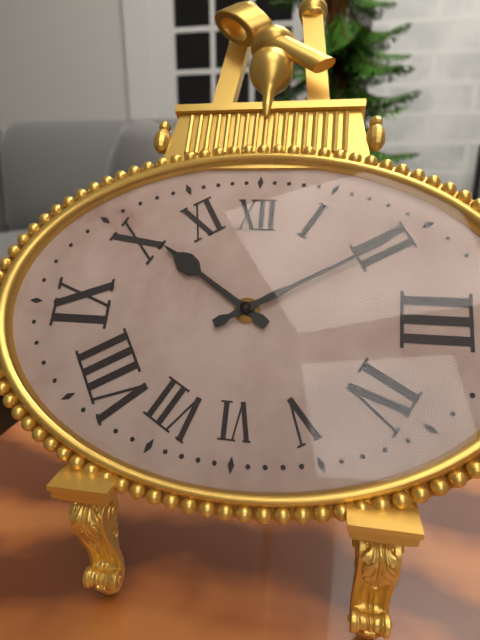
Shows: 10,10
